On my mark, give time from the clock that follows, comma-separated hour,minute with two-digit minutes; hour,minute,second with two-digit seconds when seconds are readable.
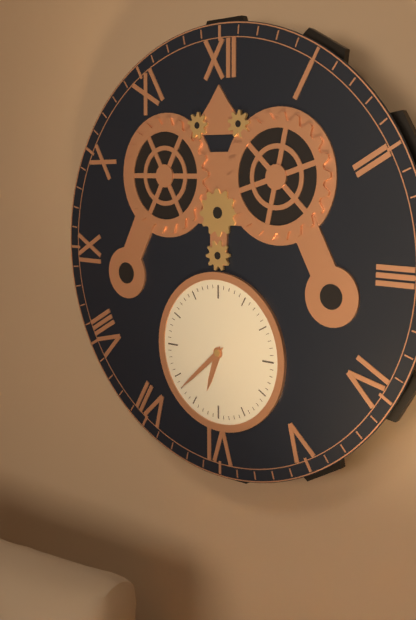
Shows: 6,38
